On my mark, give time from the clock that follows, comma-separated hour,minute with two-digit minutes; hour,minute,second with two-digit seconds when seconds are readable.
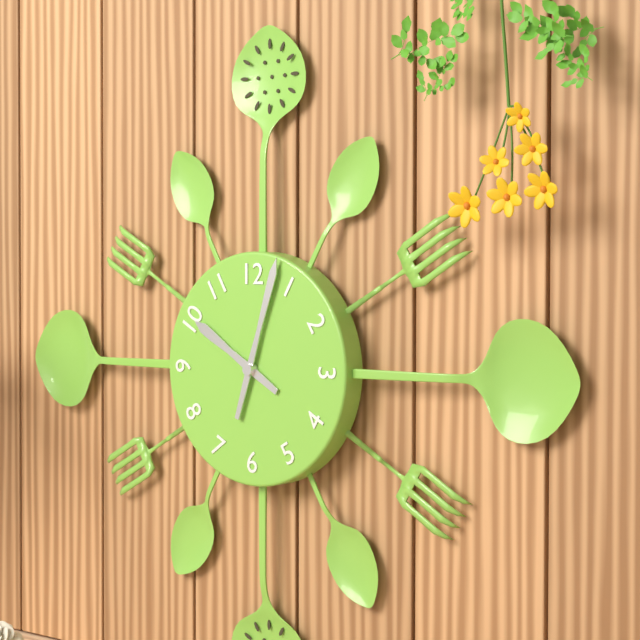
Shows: 10,03
